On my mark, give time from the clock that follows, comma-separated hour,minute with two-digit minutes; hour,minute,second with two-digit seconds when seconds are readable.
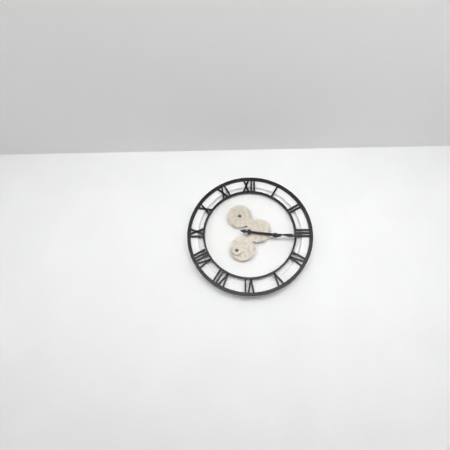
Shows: 3,16
